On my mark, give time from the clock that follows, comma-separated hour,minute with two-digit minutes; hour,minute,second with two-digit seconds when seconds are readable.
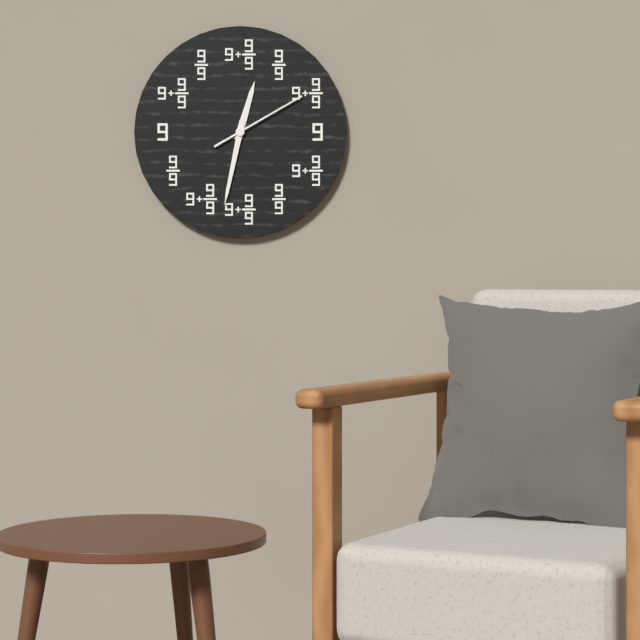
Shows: 12,32,10
